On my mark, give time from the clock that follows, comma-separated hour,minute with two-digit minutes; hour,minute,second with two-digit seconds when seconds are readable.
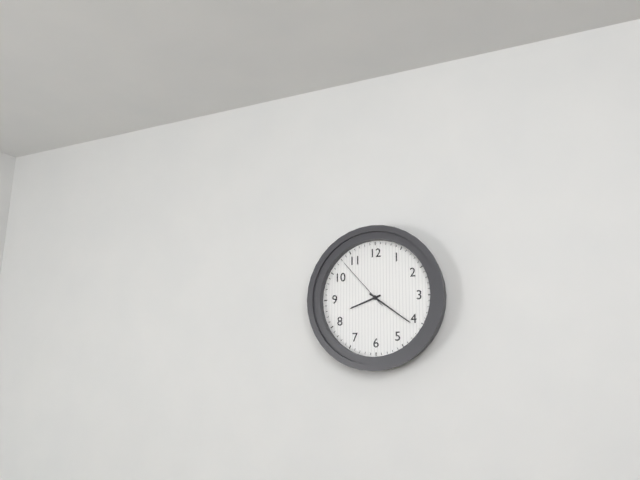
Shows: 8,21,53
